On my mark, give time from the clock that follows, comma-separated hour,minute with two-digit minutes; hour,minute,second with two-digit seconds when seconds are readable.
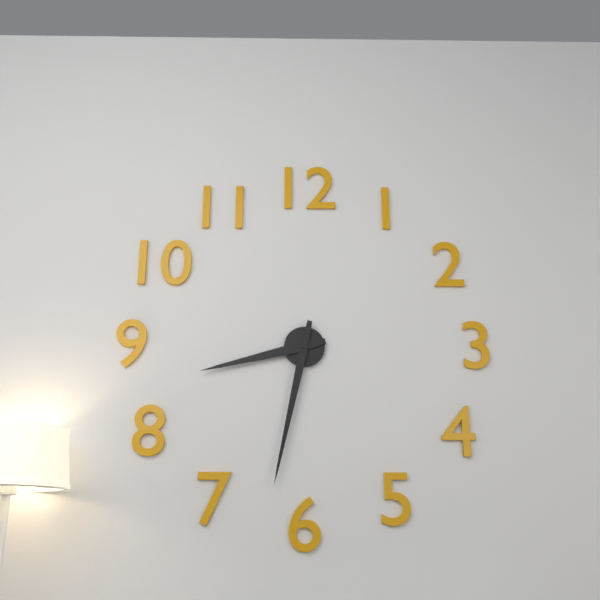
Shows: 8,32
